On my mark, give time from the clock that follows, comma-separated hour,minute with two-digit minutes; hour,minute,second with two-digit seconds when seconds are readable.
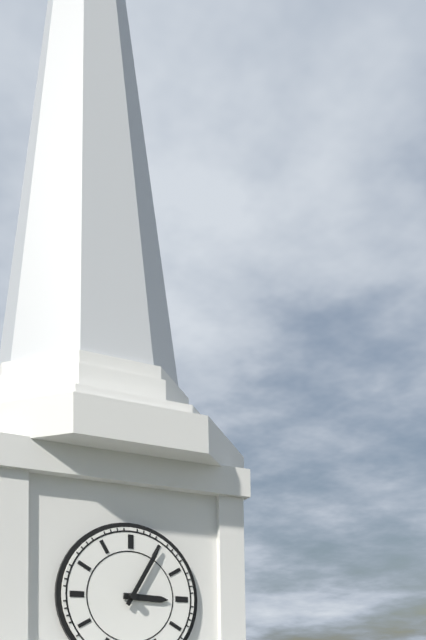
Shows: 3,05
